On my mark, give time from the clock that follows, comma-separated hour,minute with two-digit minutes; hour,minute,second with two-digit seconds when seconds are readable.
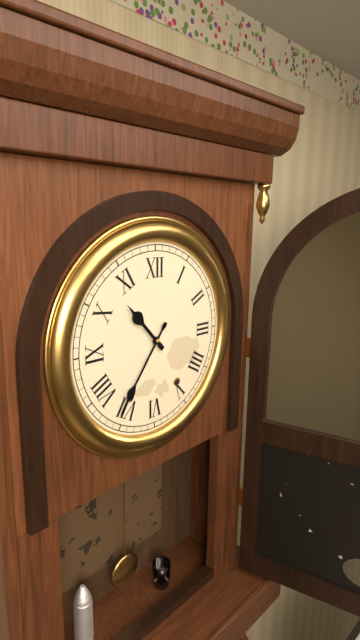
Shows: 10,36
